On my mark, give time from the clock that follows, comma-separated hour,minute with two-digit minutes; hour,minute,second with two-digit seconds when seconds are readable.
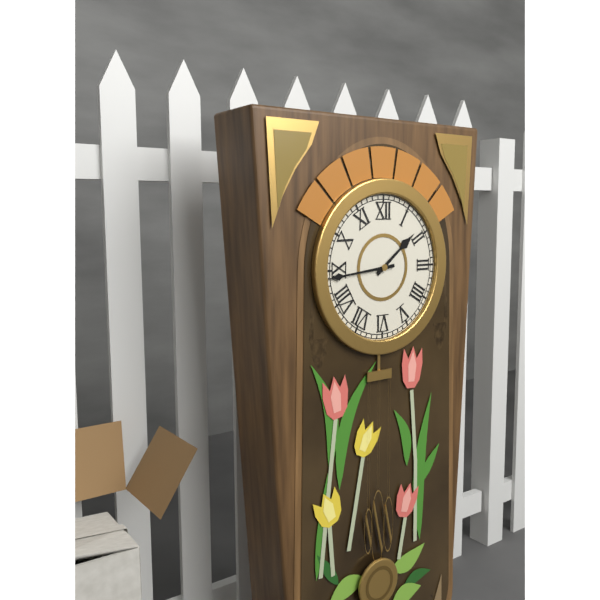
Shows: 1,44
